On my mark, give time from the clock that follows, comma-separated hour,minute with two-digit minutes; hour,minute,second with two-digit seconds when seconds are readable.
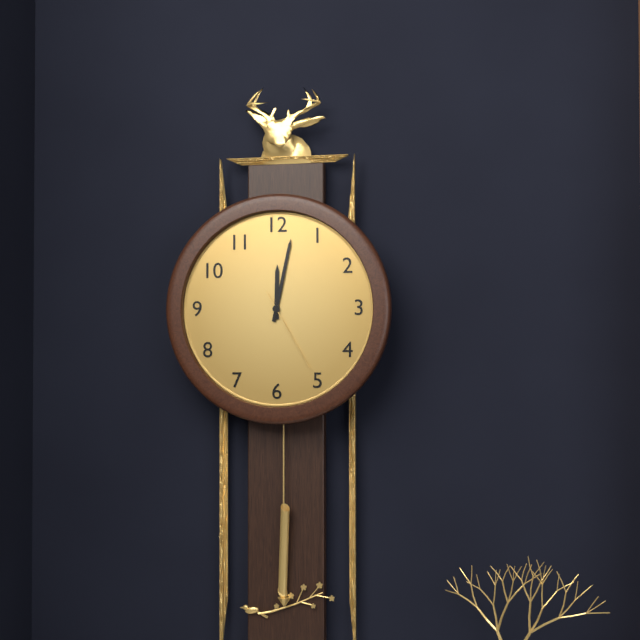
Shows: 12,02,25
